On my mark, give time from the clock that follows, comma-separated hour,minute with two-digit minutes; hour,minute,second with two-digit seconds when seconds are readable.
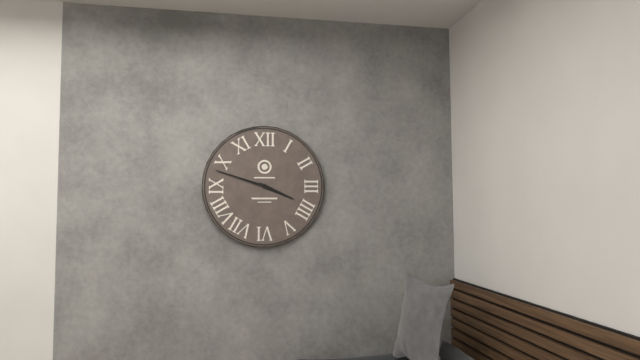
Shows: 3,48
